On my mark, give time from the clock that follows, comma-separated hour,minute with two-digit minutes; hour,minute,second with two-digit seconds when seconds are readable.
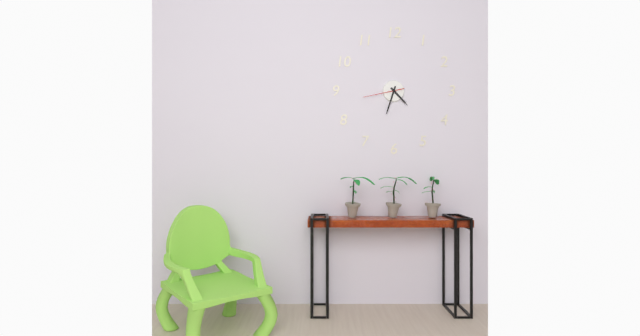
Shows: 4,33
